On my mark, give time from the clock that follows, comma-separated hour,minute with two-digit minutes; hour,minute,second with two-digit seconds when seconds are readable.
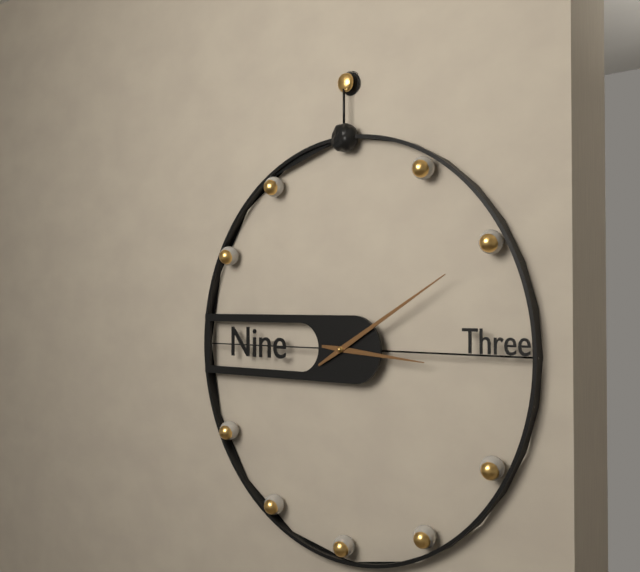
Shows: 3,10
